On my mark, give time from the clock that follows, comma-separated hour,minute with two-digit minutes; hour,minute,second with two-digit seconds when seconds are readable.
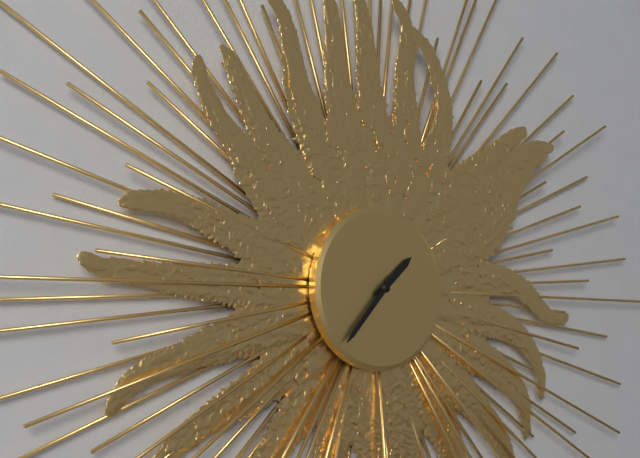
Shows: 1,37
